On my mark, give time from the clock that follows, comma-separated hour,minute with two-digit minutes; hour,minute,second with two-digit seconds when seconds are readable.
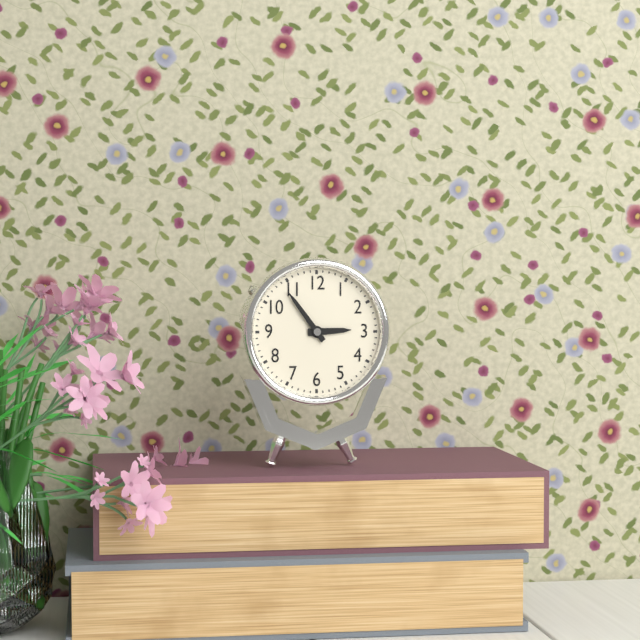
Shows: 2,54
